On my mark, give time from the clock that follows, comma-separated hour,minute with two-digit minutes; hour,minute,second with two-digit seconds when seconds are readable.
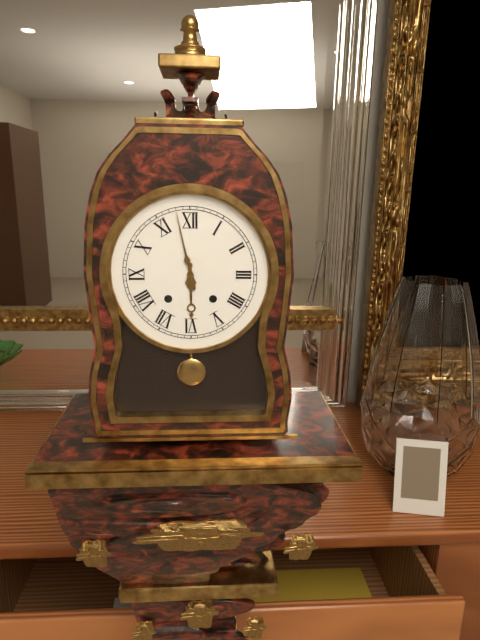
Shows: 5,58
